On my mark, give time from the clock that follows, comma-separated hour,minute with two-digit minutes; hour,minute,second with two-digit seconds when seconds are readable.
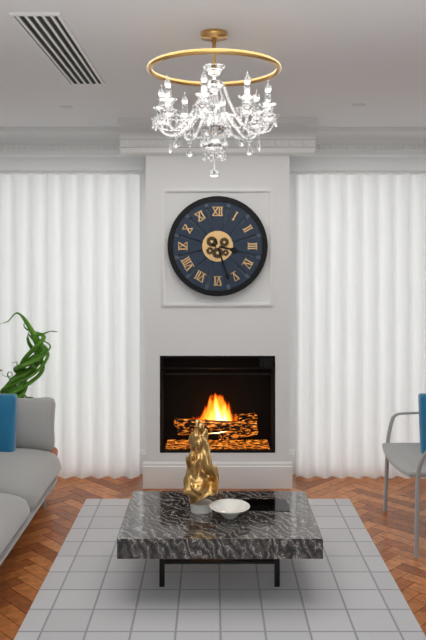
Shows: 3,27
